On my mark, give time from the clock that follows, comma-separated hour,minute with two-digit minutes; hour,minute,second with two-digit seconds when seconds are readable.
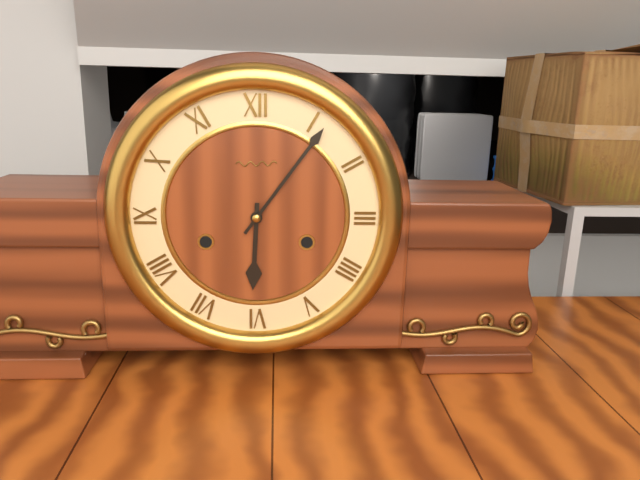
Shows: 6,06
